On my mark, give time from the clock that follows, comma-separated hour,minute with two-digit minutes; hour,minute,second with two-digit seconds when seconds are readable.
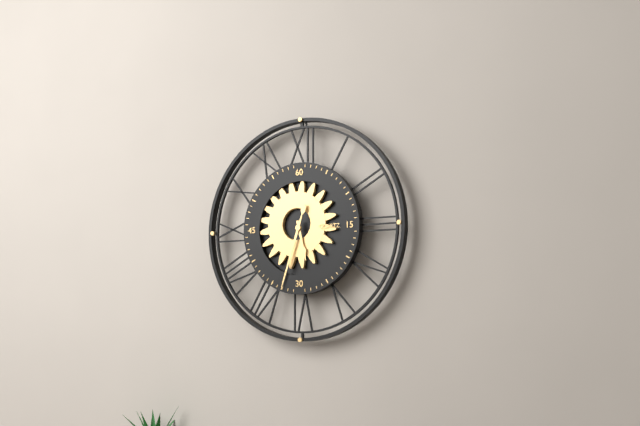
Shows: 5,33
